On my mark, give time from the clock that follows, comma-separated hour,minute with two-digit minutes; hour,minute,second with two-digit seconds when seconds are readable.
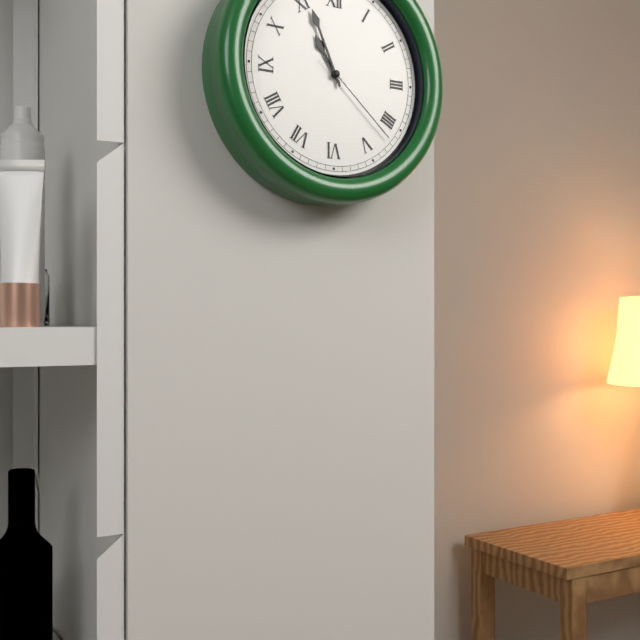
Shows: 10,56,22
